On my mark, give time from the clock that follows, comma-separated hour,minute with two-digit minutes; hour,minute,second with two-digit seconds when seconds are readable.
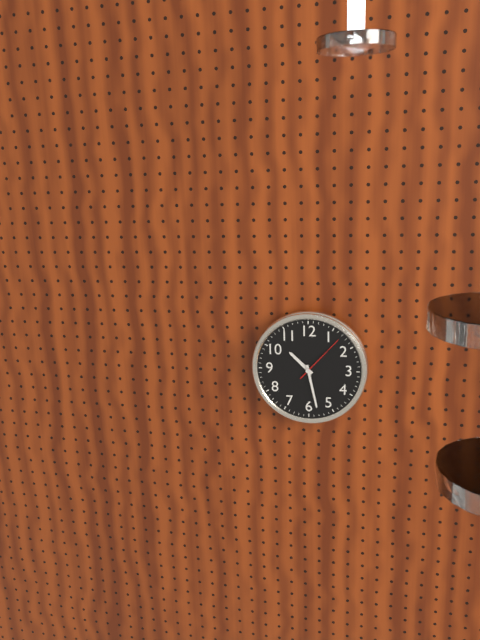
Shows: 10,28,07
